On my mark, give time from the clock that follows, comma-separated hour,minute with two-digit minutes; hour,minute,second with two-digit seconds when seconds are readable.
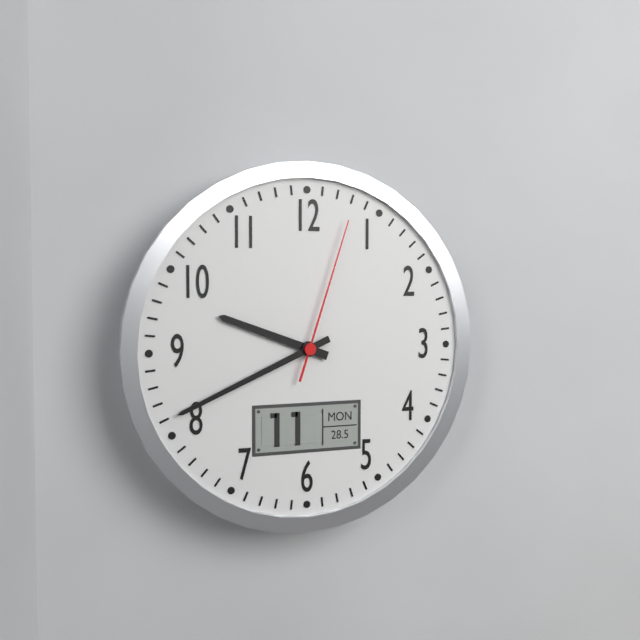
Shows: 9,41,03
